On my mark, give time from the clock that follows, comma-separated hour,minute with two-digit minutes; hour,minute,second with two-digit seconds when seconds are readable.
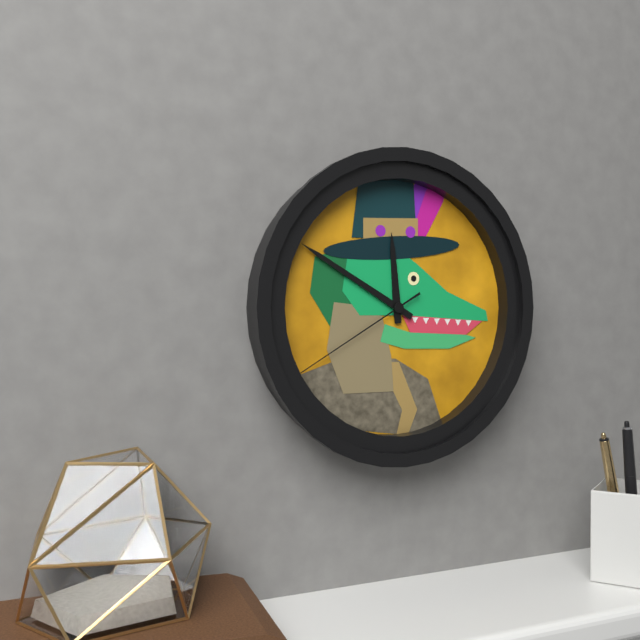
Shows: 11,50,40
